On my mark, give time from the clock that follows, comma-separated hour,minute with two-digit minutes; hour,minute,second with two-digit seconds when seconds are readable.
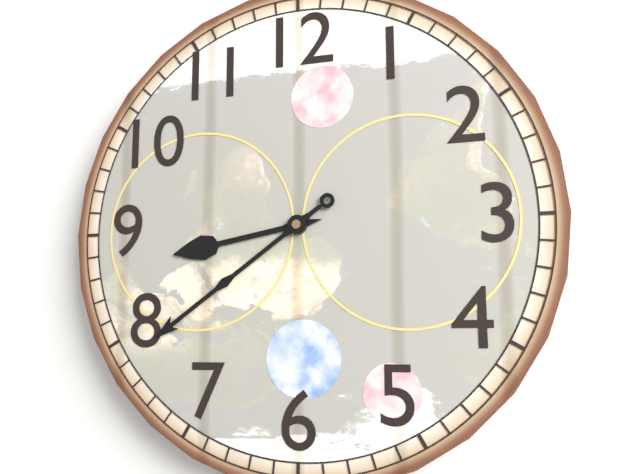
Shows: 8,39
